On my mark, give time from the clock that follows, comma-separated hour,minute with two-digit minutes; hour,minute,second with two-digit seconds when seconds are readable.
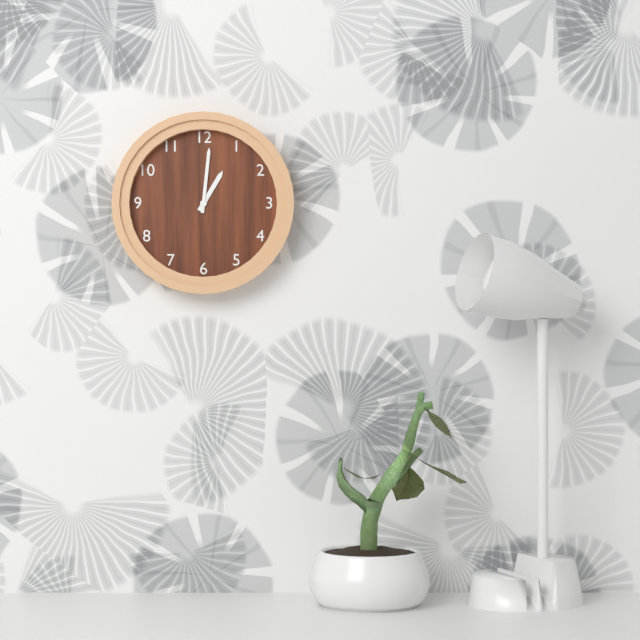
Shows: 1,01
